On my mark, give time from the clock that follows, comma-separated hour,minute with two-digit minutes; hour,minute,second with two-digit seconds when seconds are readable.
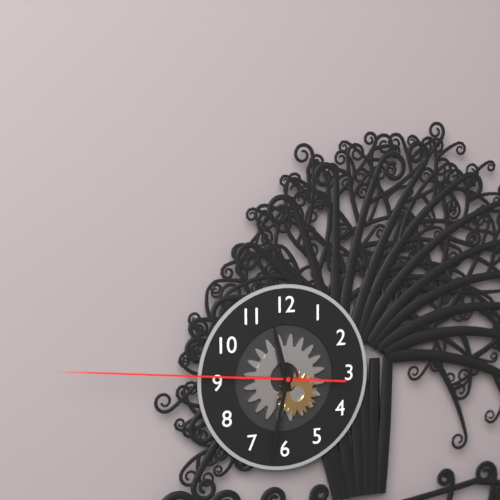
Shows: 11,32,46
